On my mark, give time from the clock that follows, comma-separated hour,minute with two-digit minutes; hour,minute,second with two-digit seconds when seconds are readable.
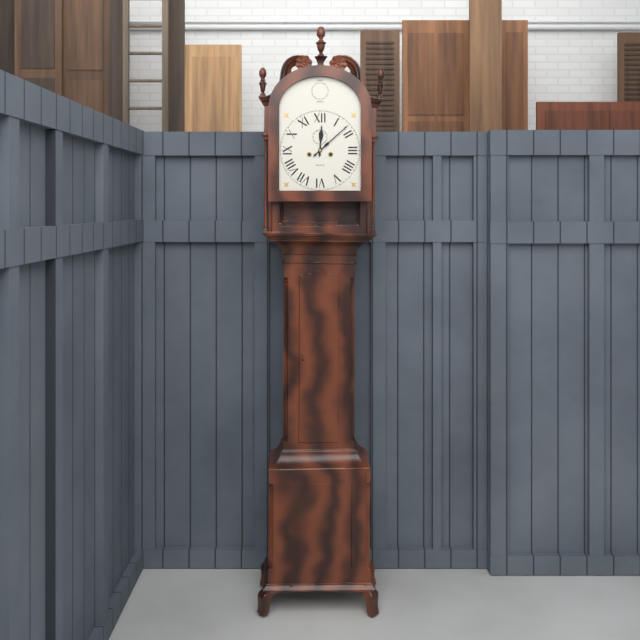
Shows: 12,08
